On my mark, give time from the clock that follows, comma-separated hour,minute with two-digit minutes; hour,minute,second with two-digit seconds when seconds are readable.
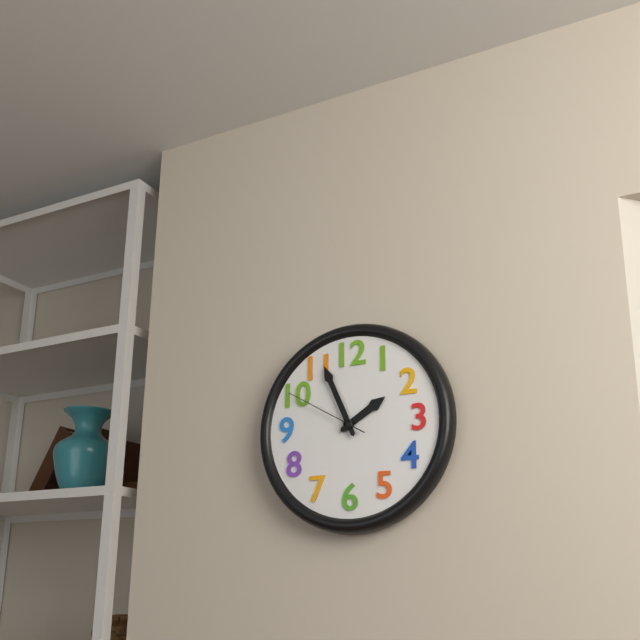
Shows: 1,56,50
